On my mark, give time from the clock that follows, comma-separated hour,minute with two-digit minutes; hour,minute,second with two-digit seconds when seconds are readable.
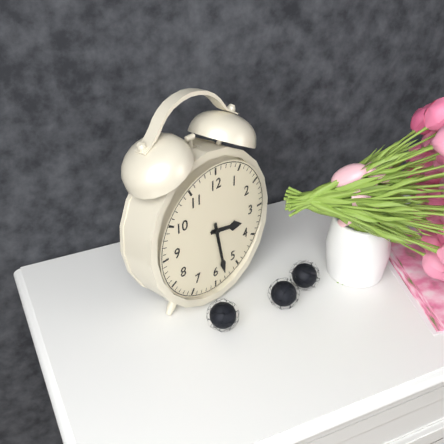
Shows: 3,28
